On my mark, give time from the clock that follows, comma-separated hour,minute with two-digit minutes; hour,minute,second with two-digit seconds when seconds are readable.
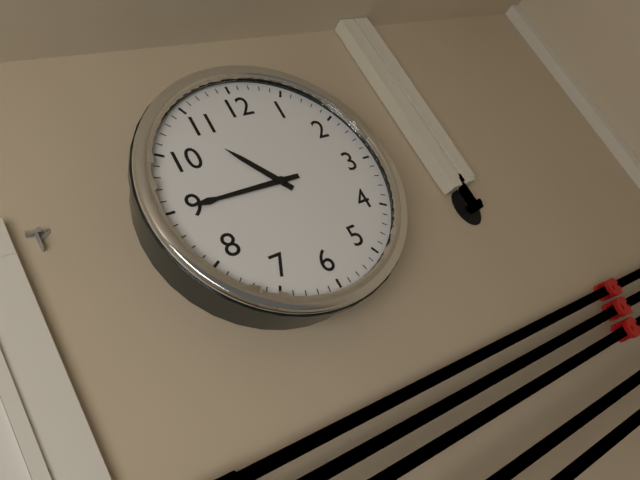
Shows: 10,45
